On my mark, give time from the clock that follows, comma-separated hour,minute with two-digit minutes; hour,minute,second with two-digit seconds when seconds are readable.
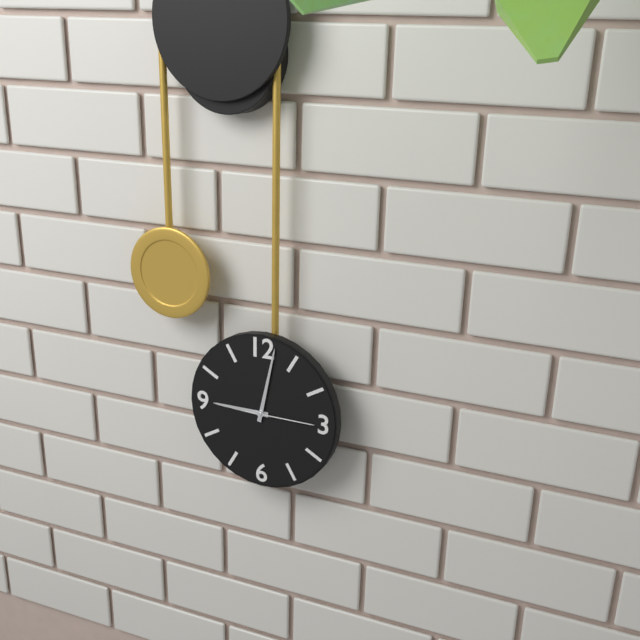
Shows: 9,02,15
